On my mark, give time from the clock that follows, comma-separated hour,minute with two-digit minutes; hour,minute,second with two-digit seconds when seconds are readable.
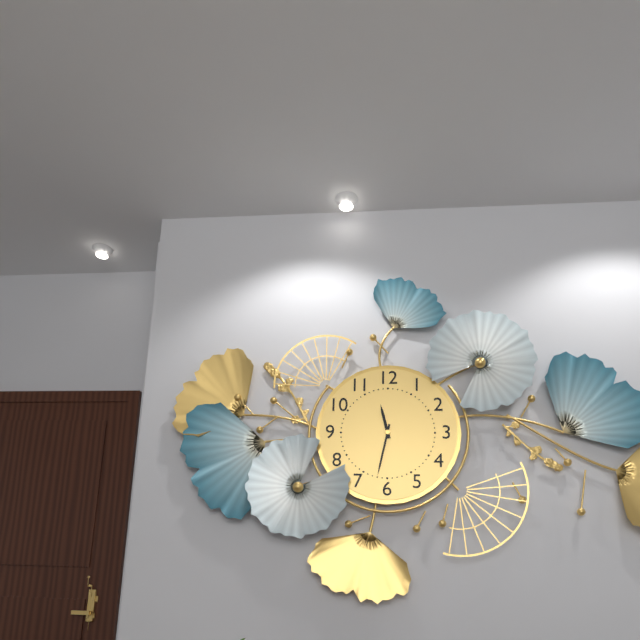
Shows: 11,32
